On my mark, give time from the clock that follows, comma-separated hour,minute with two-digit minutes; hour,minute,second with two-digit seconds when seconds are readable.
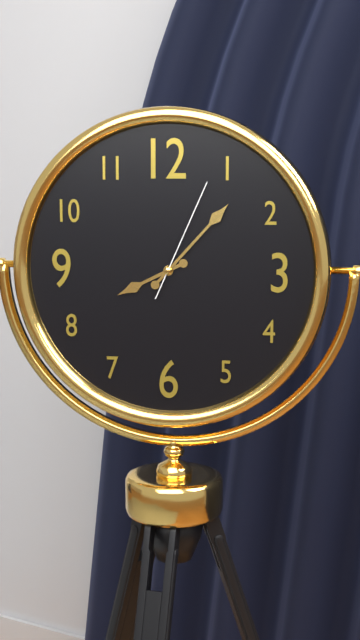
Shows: 8,07,04
